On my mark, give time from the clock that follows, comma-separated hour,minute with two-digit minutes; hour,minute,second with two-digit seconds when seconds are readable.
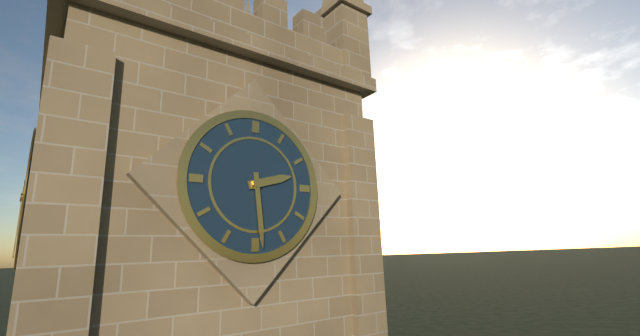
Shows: 2,29
